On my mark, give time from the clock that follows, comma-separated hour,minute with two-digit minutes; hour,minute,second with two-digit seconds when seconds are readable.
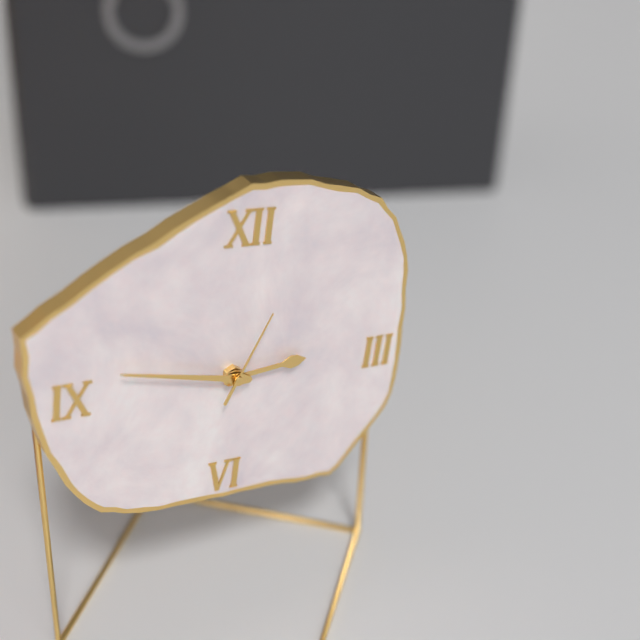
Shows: 2,47,04
